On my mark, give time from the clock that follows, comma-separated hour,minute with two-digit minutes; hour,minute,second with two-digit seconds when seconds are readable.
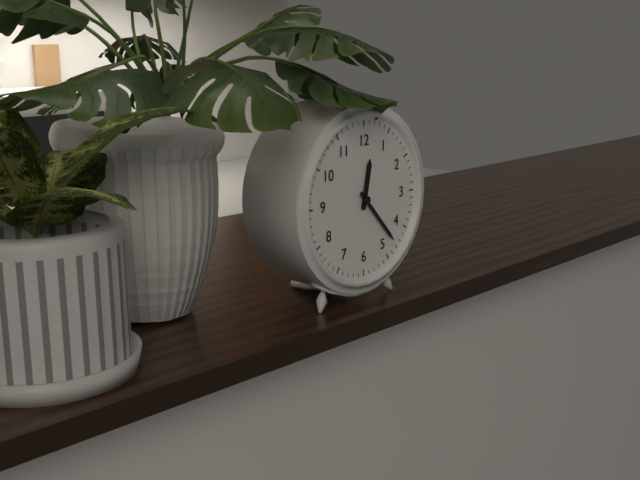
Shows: 12,23
